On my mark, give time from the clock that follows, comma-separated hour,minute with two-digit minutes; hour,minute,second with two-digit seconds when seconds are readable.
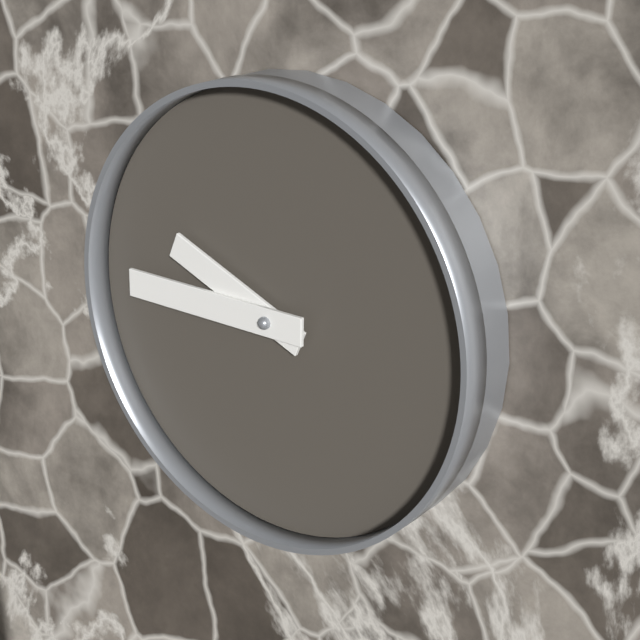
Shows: 9,45
